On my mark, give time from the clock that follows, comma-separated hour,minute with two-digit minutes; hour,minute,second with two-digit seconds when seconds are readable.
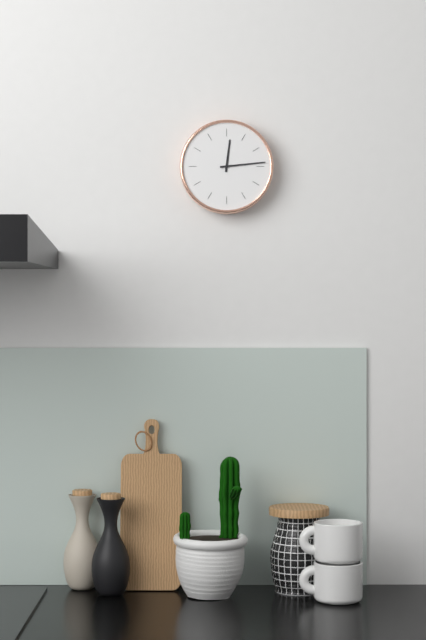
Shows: 12,14
